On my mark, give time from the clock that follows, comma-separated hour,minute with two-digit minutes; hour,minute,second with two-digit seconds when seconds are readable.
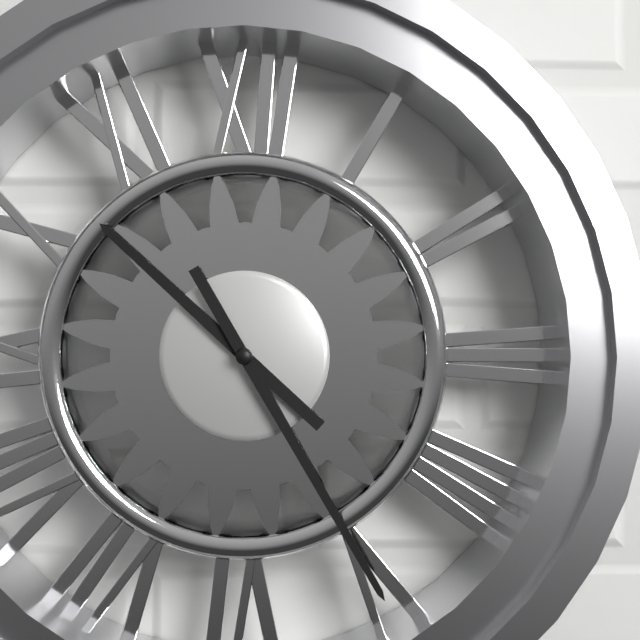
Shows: 10,25
